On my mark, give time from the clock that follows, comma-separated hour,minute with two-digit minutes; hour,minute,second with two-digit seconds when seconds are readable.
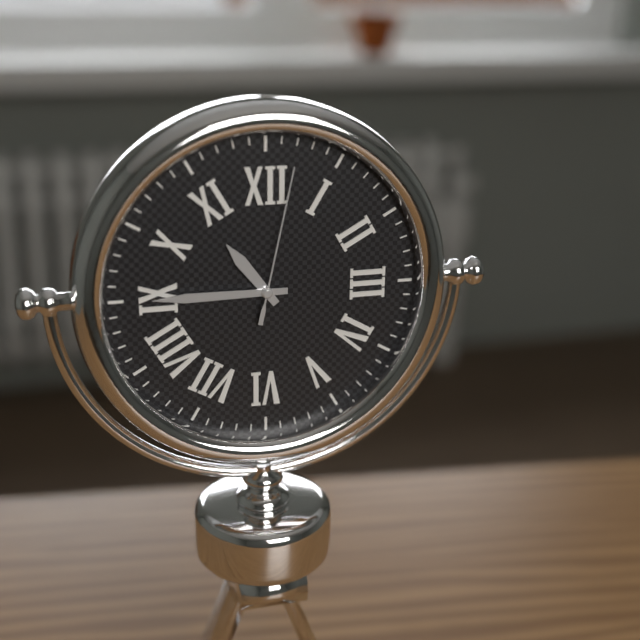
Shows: 10,45,02
